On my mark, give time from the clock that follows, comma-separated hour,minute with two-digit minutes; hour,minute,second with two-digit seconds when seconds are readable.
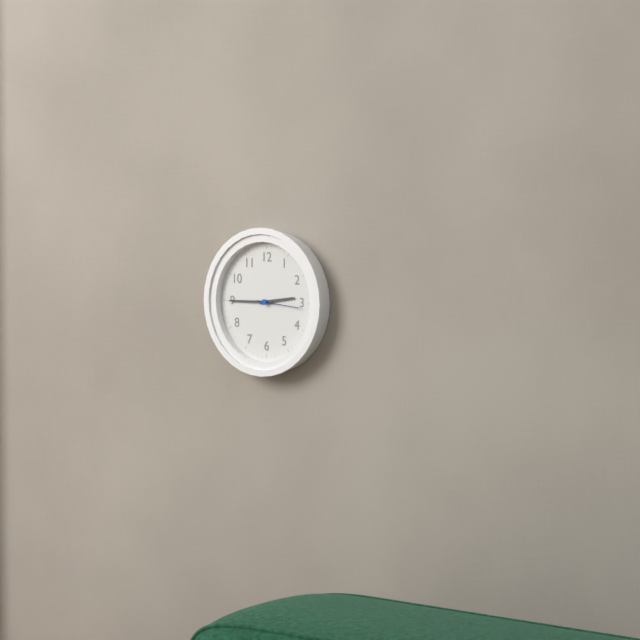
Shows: 2,45
